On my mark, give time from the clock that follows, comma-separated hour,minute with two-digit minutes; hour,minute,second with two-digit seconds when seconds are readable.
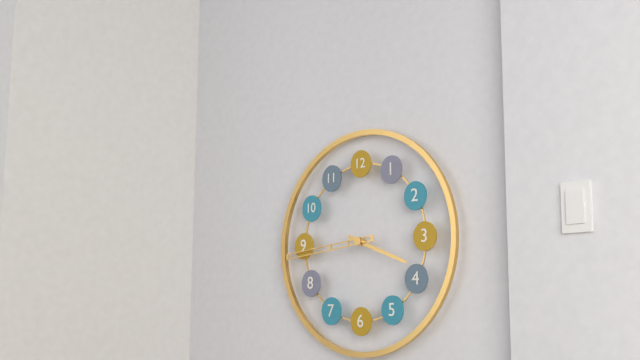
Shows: 3,44
